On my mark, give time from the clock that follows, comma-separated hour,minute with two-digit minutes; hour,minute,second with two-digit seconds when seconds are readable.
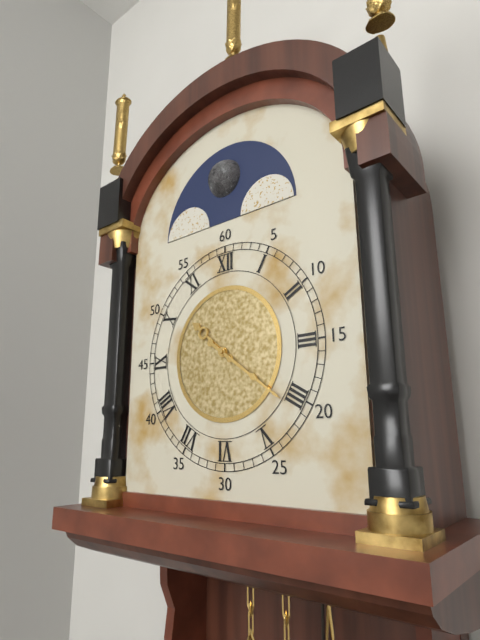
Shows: 10,21
